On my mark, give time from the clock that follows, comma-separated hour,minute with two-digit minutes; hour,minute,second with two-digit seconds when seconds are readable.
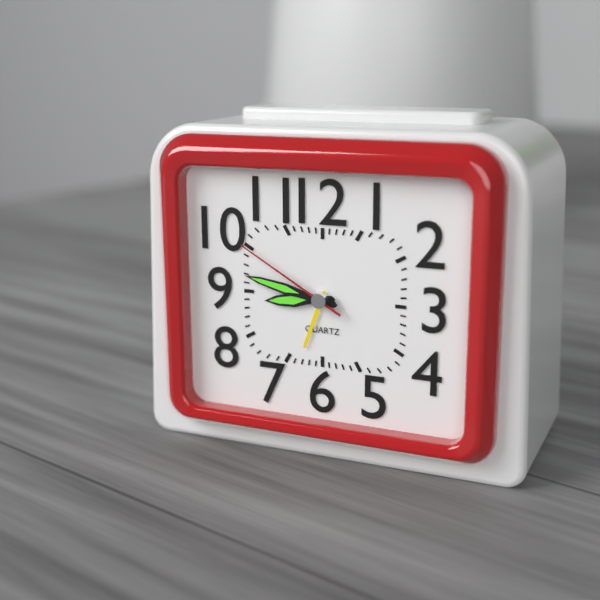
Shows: 8,47,50
